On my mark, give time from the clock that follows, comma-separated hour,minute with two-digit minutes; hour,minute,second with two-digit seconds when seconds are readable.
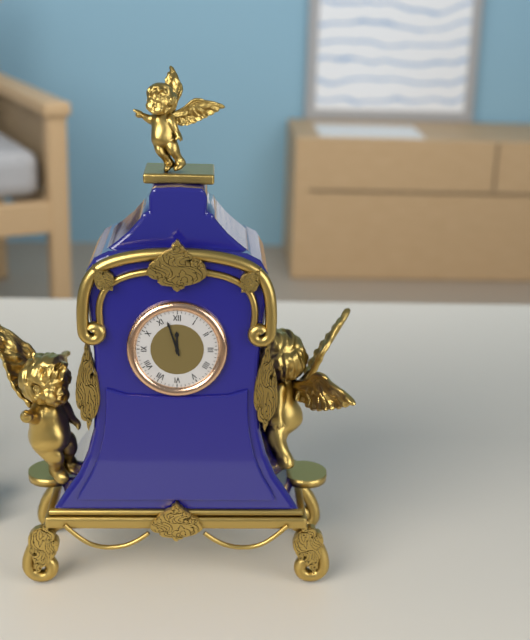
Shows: 11,57
